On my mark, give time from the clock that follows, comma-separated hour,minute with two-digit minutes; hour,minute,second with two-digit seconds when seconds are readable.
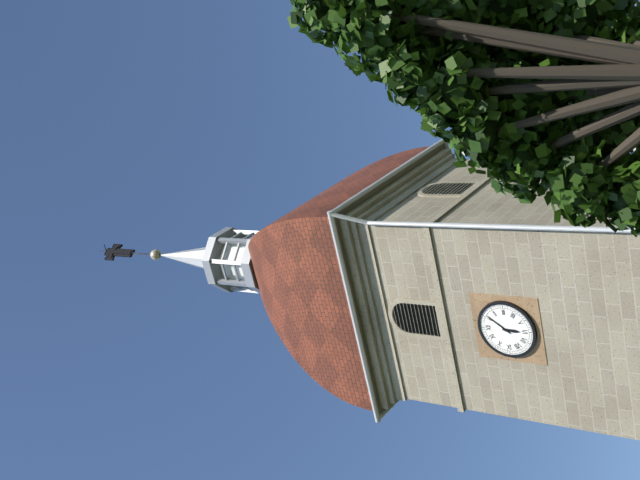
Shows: 6,06
